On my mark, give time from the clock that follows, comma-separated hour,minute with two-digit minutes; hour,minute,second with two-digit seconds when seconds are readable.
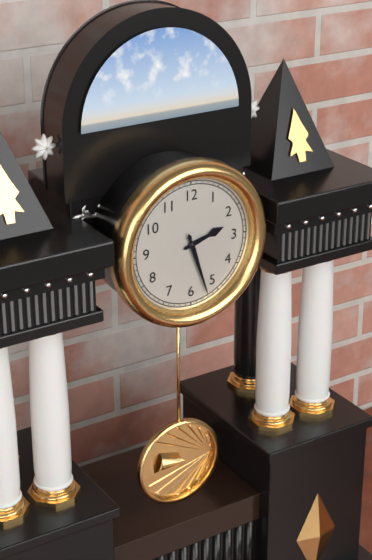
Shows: 2,27
